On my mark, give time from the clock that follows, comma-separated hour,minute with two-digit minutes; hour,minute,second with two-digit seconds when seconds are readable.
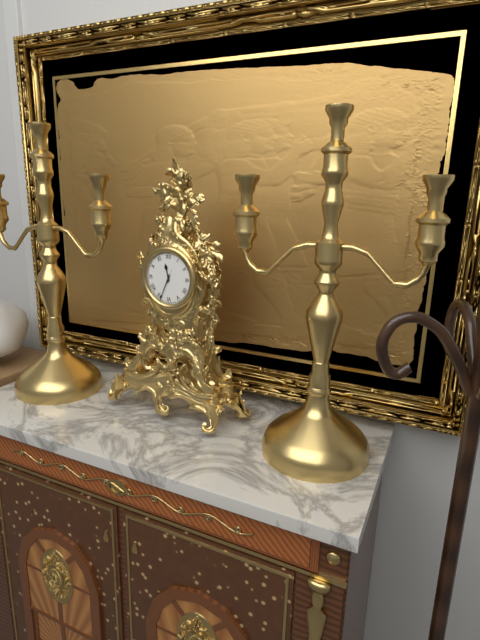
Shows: 11,34
